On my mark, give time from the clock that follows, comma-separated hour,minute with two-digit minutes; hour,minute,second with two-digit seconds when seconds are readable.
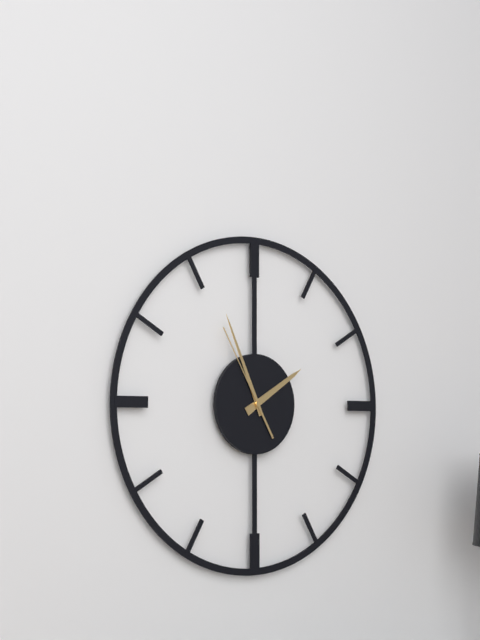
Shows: 1,56,55
